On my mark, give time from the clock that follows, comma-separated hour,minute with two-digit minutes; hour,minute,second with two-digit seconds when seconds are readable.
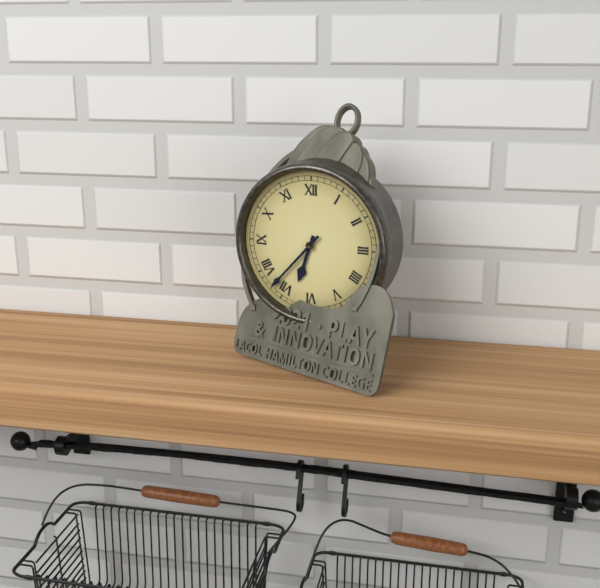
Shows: 6,37
